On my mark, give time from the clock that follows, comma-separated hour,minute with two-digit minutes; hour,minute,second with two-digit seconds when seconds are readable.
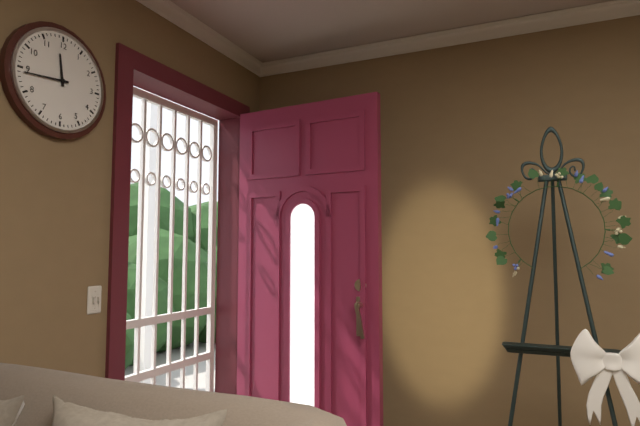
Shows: 11,44
